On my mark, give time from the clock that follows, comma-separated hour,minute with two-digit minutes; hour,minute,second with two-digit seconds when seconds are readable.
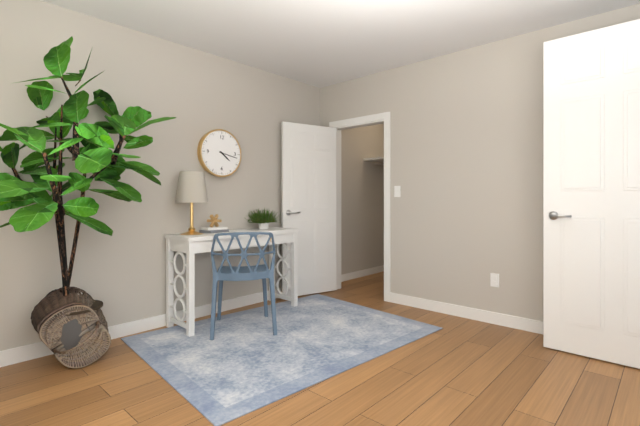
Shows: 4,17
